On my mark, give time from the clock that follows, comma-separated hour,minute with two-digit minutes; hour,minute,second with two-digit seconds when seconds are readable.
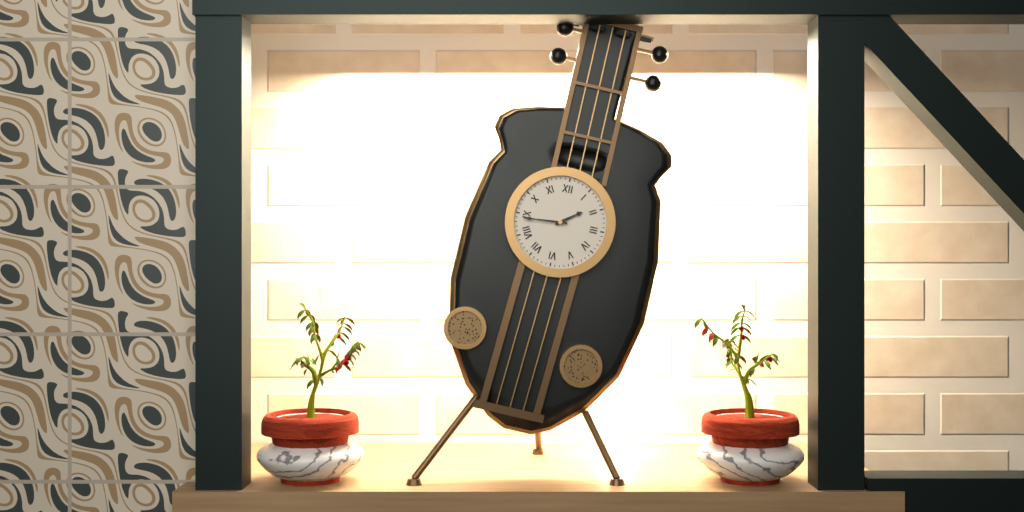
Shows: 1,44
